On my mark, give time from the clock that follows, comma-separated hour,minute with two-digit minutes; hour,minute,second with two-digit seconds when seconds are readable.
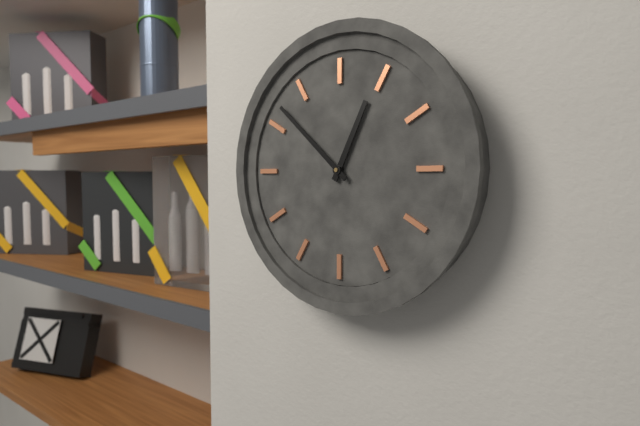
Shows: 12,52
